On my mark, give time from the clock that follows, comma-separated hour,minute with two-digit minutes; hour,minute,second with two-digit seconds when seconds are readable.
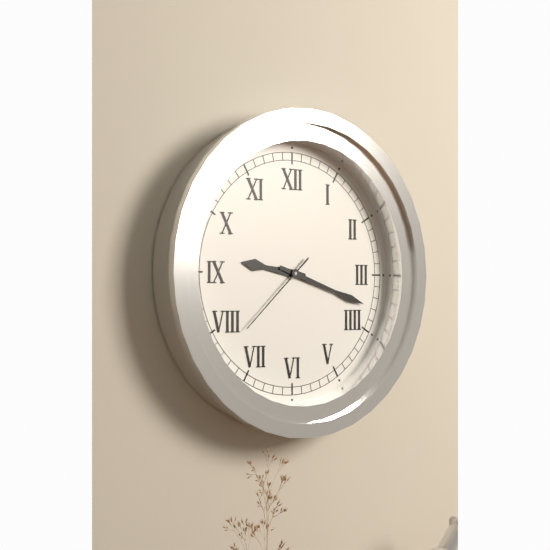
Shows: 9,18,38
